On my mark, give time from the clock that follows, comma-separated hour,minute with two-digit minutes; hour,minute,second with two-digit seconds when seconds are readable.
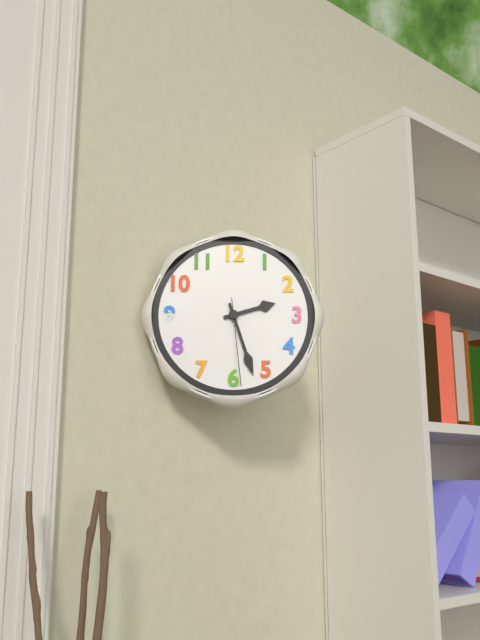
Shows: 2,27,29
